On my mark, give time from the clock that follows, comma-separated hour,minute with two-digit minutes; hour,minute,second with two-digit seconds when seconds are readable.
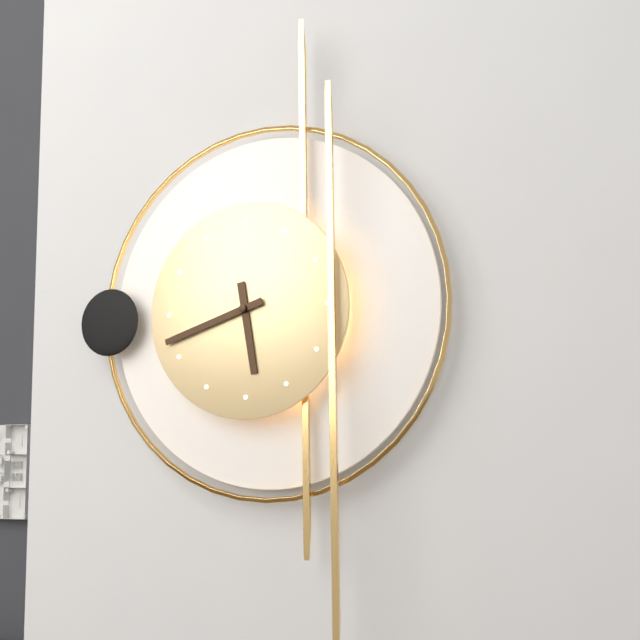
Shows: 5,42
